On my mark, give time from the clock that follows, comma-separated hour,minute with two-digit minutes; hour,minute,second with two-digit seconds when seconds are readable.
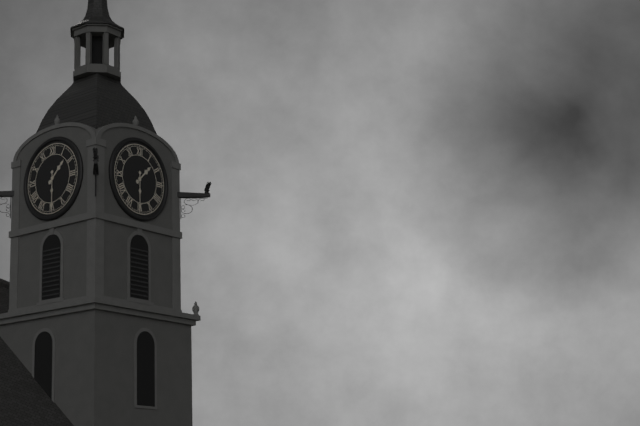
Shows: 1,30
